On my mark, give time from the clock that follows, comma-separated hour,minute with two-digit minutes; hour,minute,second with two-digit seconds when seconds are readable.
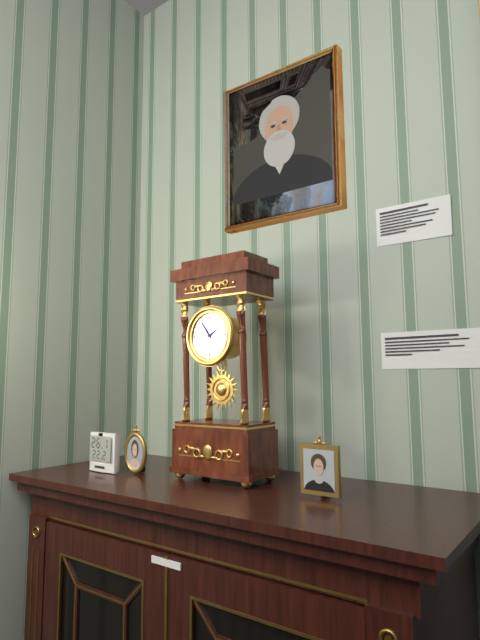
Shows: 1,54
